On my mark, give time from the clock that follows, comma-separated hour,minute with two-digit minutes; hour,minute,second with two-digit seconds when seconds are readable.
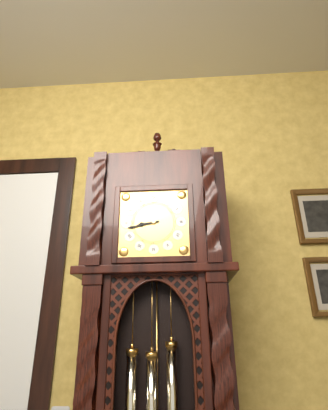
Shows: 8,43
